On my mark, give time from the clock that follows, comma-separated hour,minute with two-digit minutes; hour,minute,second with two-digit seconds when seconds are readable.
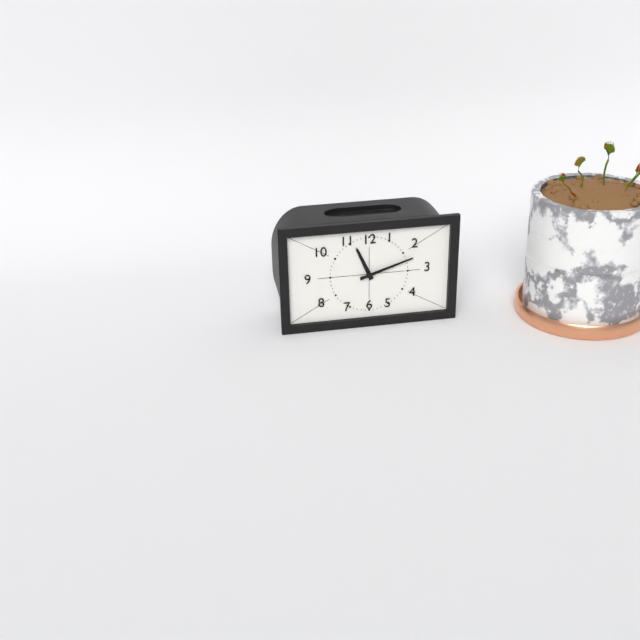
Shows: 11,12
